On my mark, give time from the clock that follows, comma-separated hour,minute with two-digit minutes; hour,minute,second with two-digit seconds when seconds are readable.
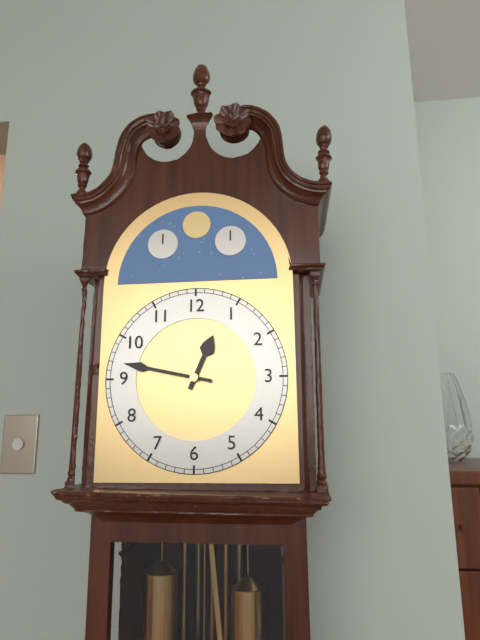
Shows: 12,47
